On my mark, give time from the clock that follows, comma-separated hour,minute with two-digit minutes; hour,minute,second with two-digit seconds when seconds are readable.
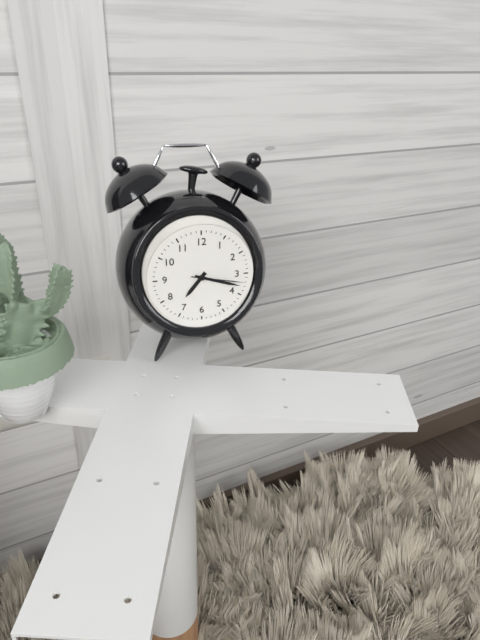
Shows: 7,18,17
